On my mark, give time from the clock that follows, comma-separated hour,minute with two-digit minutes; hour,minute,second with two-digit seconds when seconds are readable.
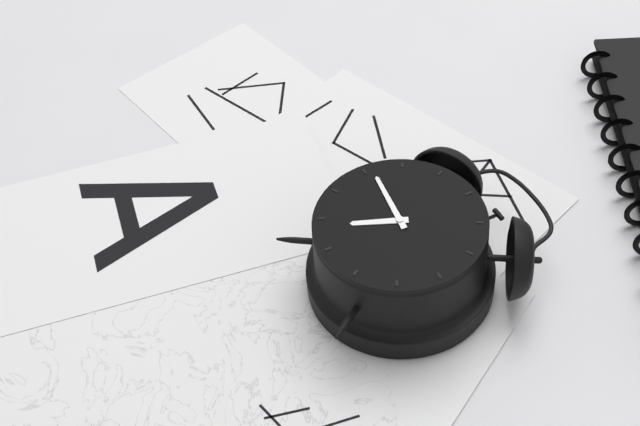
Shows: 6,46
